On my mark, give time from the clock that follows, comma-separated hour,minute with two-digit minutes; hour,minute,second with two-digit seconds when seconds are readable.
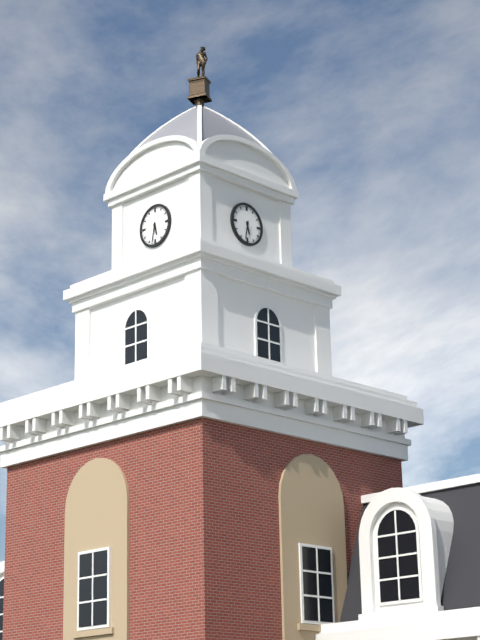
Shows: 5,32
